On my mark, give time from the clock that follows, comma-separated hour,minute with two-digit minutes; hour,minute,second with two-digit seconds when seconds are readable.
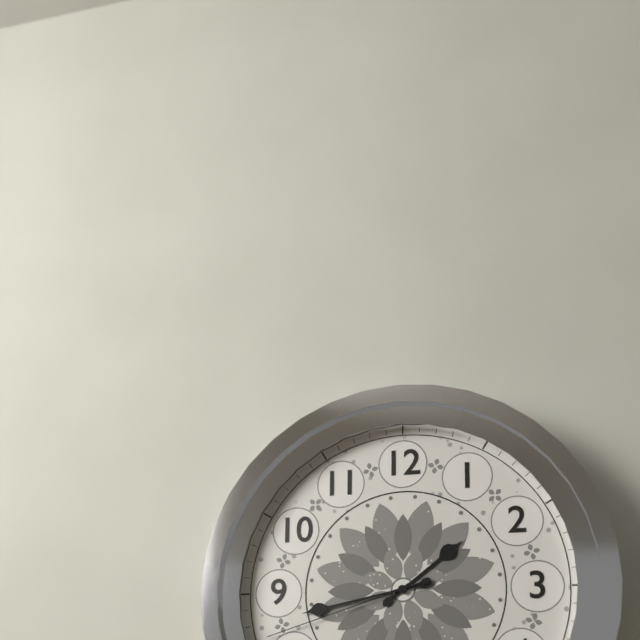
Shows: 1,43,42
